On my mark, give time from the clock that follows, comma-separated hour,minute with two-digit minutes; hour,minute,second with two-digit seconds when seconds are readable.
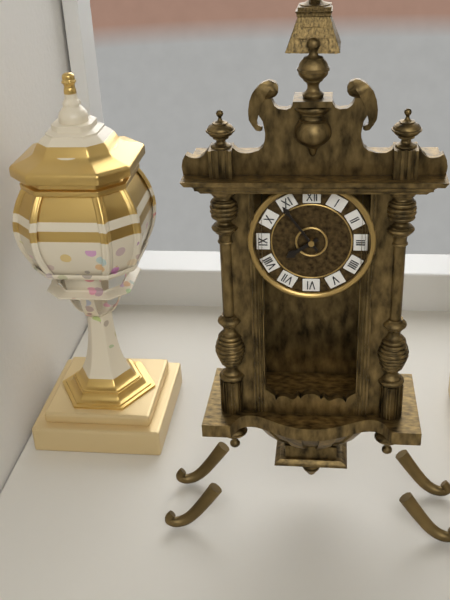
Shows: 7,54
